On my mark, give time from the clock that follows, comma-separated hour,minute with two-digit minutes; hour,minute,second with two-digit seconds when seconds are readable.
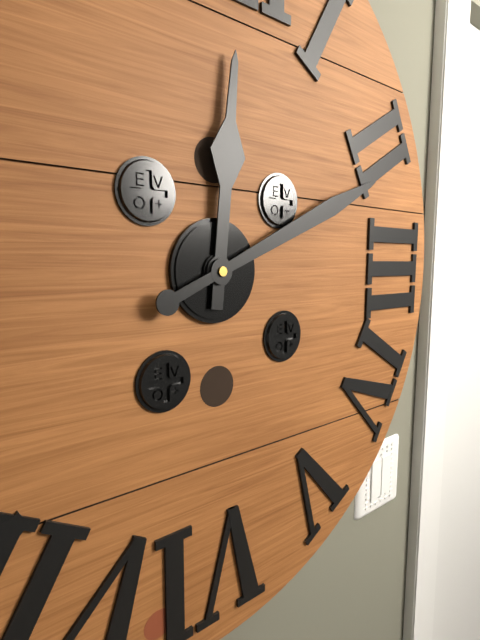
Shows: 12,11
